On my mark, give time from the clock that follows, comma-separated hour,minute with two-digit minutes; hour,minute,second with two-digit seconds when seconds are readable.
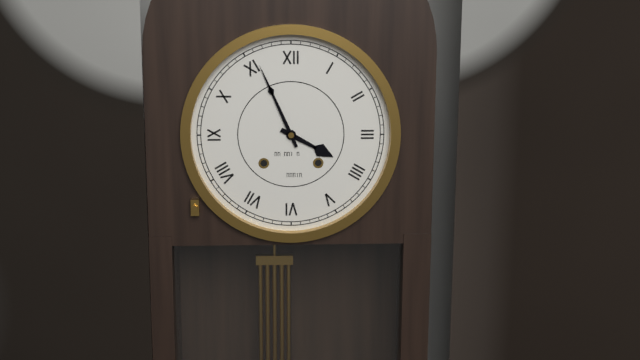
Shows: 3,56
